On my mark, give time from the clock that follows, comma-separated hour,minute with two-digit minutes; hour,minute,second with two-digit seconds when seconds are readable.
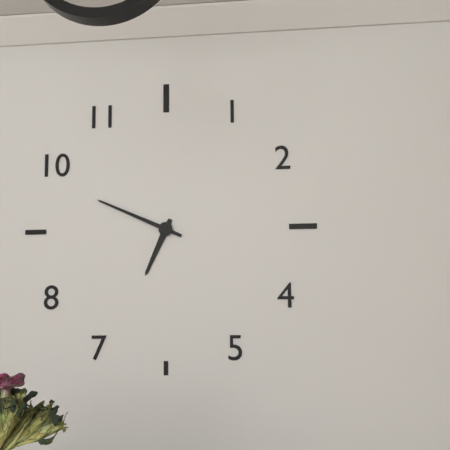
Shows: 6,49
